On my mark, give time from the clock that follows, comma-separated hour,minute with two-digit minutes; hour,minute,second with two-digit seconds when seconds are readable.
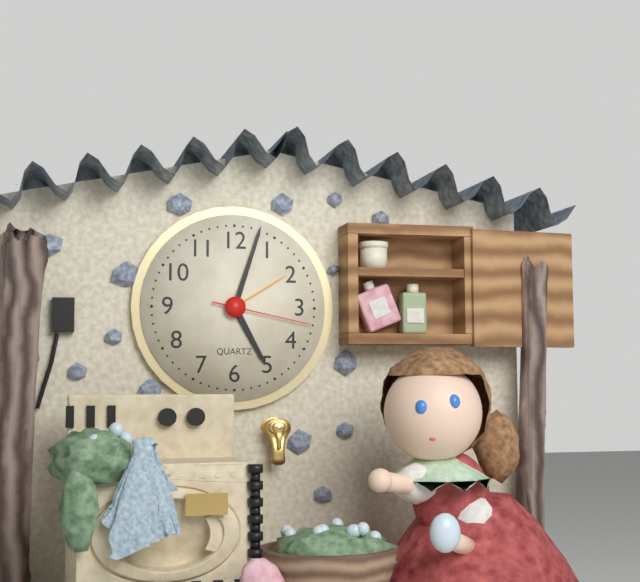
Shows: 5,03,17
